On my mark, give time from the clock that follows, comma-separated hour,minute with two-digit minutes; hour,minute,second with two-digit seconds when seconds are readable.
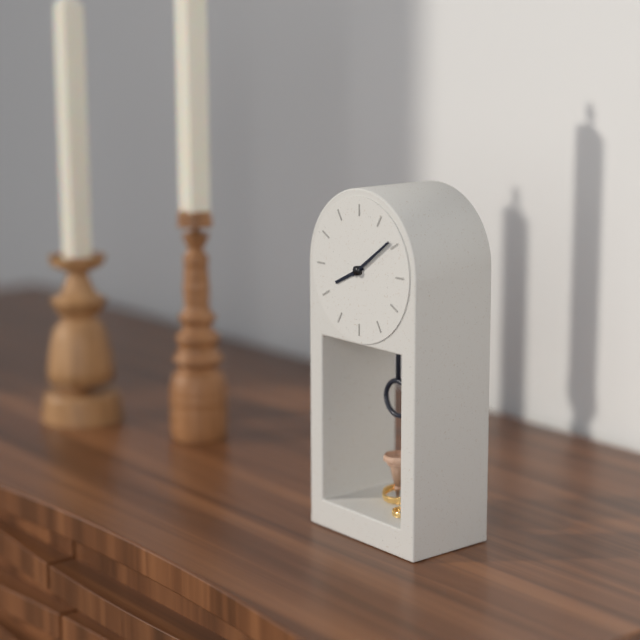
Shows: 8,09
